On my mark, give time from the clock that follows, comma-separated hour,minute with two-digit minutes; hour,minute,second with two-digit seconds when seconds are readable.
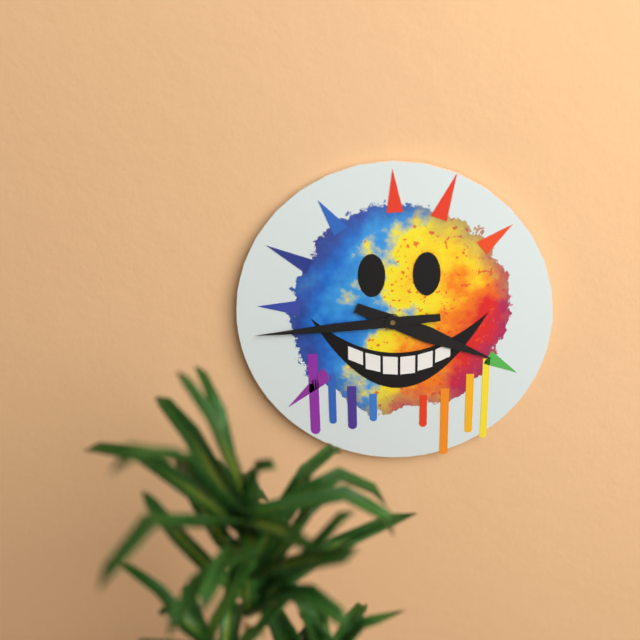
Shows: 3,44
